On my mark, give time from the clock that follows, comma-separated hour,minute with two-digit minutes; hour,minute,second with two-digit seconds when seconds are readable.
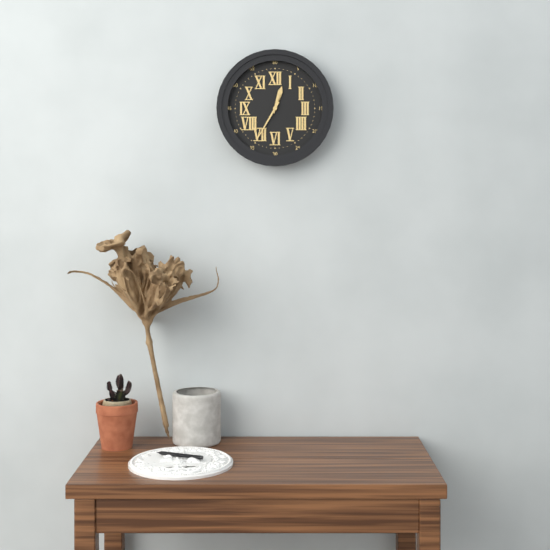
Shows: 12,35
